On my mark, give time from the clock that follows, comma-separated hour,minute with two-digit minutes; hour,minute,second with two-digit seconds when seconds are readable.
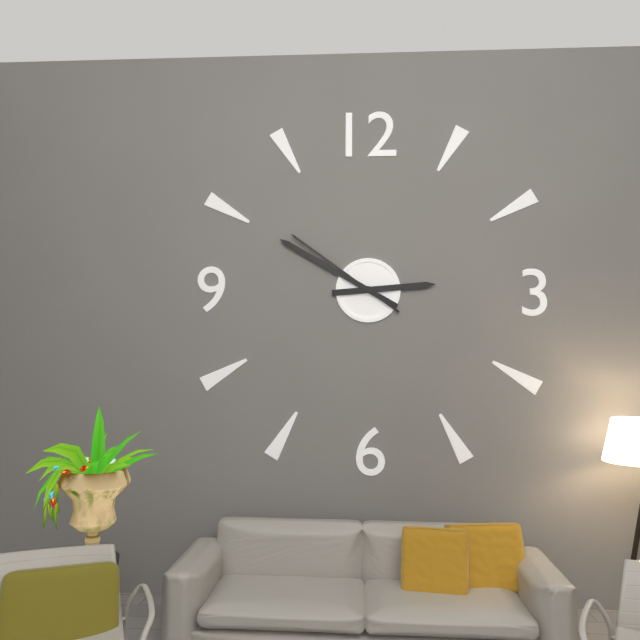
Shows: 2,50,51
